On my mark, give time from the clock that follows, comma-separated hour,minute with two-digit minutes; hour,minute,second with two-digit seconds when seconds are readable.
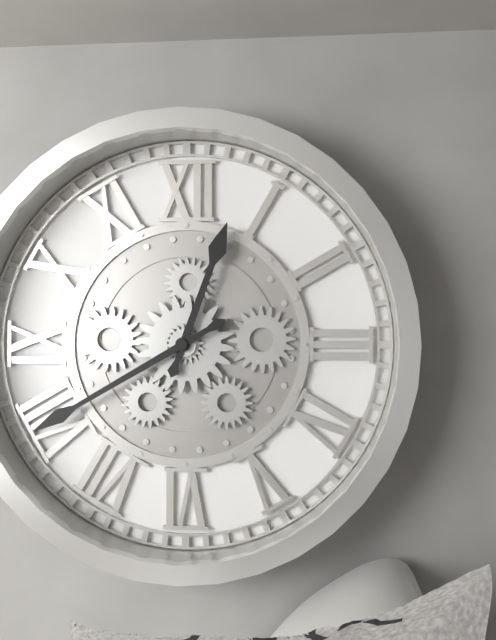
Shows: 12,40
